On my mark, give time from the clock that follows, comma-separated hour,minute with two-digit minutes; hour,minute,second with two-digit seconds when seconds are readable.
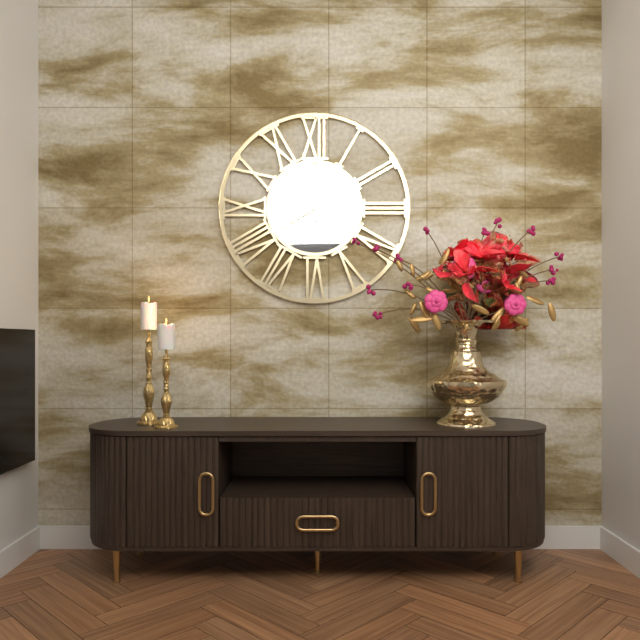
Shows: 7,58
